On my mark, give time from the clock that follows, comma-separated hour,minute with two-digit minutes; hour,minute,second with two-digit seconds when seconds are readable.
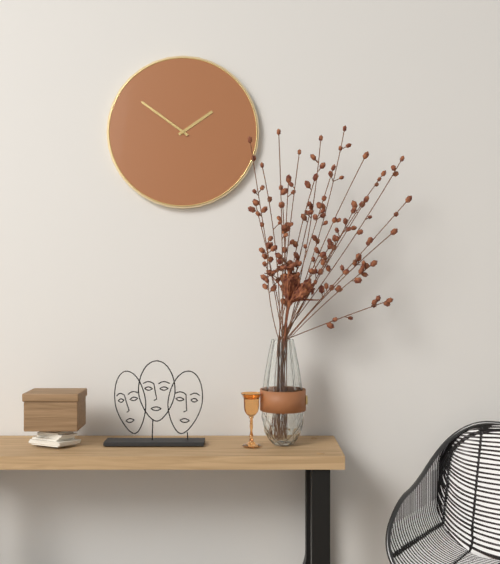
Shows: 1,51
